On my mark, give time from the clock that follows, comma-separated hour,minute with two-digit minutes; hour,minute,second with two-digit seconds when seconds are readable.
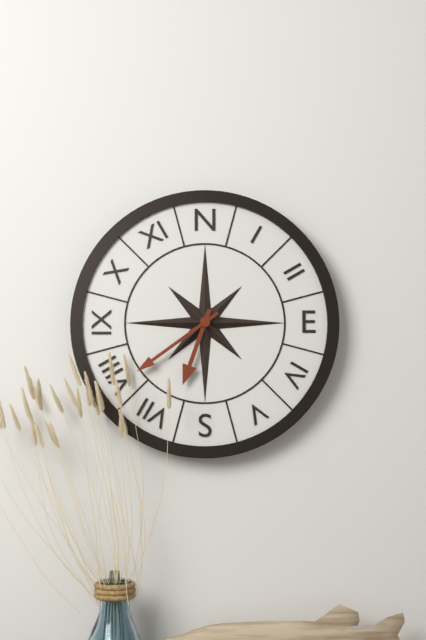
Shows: 6,39
